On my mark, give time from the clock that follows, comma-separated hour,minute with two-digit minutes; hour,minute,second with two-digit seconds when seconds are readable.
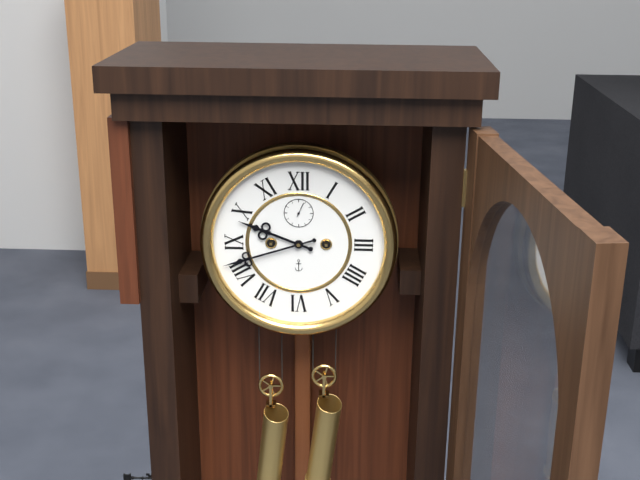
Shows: 9,42
